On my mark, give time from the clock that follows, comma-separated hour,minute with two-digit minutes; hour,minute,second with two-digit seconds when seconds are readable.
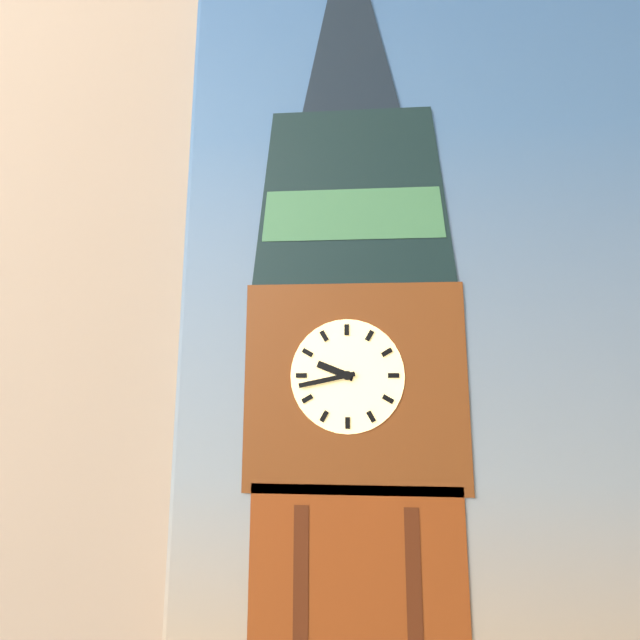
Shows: 9,43
